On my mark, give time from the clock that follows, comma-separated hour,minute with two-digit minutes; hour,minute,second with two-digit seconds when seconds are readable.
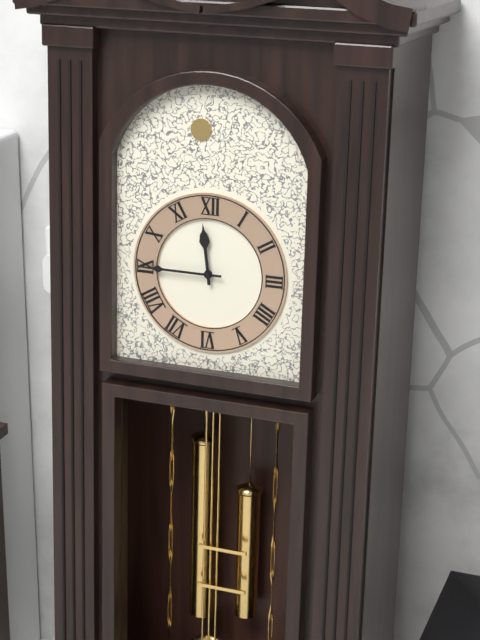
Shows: 11,45
